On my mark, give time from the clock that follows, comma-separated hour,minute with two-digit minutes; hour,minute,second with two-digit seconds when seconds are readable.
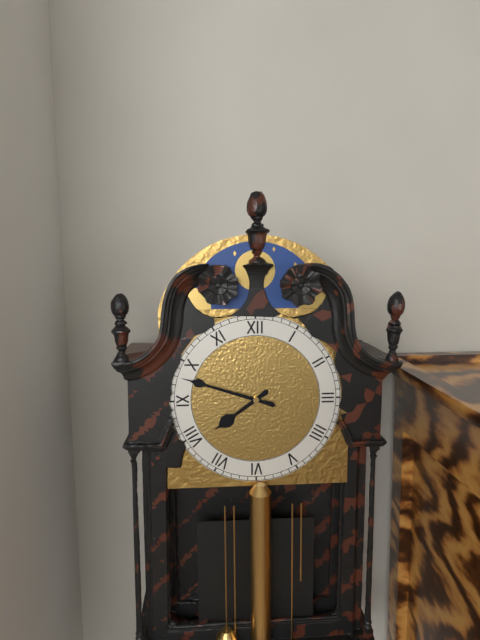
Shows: 7,48
